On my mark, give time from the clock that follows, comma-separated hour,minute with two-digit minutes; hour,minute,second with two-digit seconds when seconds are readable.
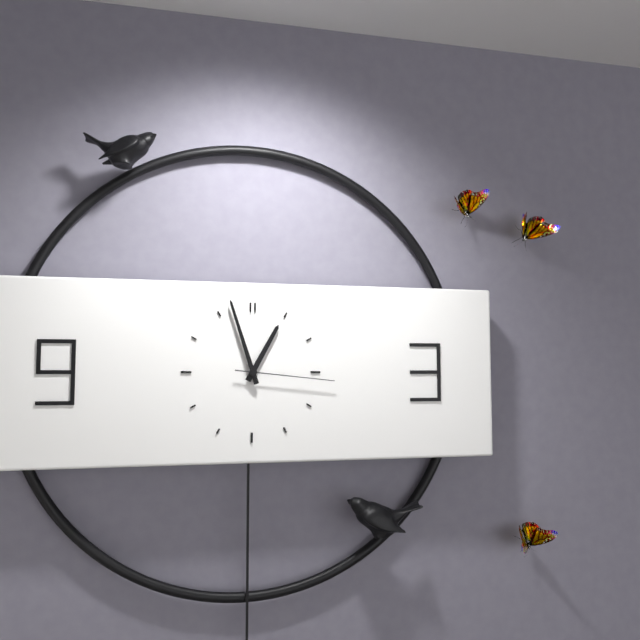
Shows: 12,57,16
